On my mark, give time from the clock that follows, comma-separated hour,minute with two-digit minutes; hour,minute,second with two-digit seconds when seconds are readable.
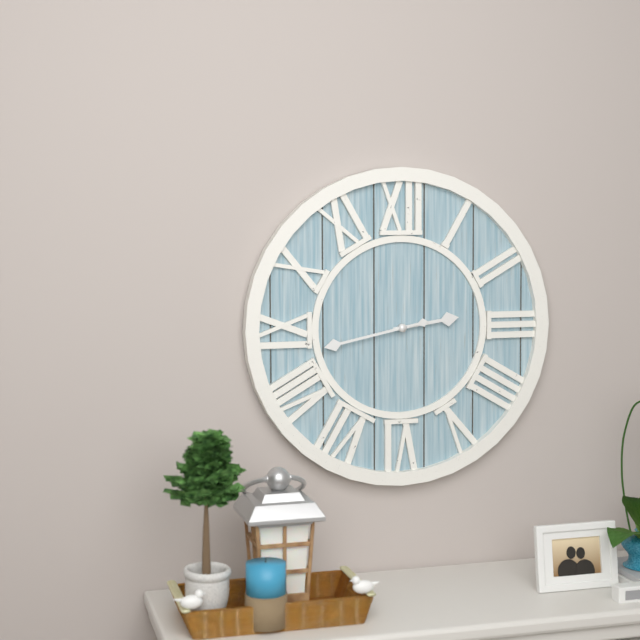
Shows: 2,43
